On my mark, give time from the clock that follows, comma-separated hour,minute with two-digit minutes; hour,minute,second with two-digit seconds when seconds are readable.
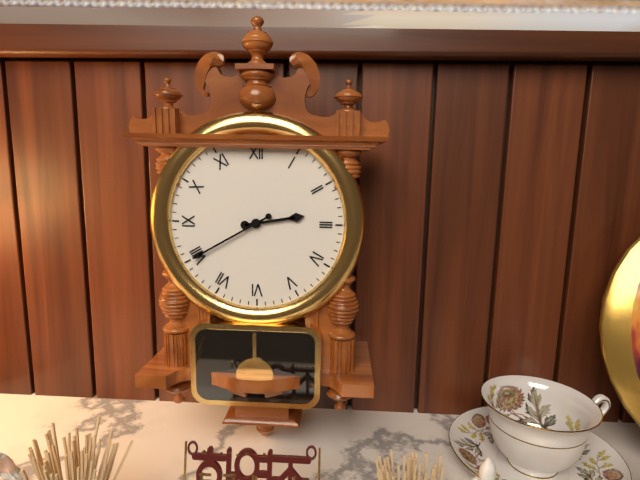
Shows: 2,40
